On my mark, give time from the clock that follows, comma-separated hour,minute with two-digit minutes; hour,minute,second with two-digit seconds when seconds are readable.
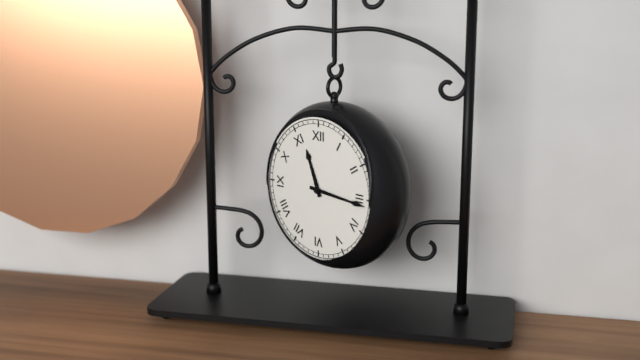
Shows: 11,16
